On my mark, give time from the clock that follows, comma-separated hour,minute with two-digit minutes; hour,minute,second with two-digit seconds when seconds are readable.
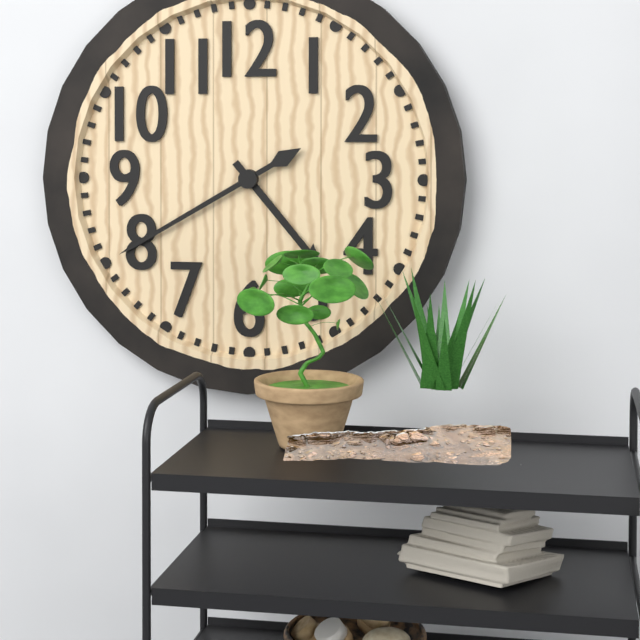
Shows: 4,40
